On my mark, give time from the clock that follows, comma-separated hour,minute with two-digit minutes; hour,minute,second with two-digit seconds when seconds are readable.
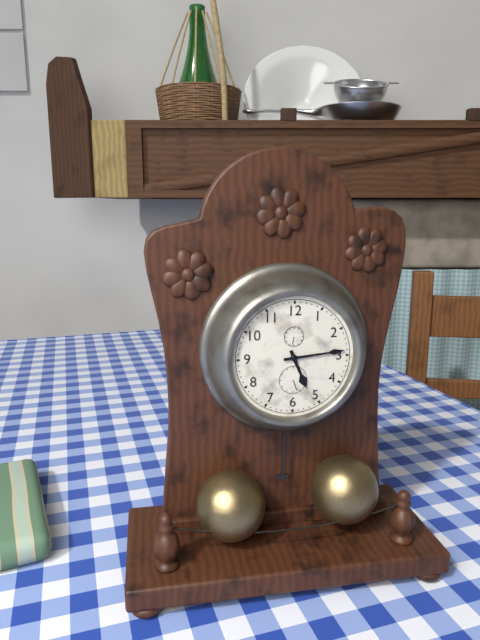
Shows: 5,14
